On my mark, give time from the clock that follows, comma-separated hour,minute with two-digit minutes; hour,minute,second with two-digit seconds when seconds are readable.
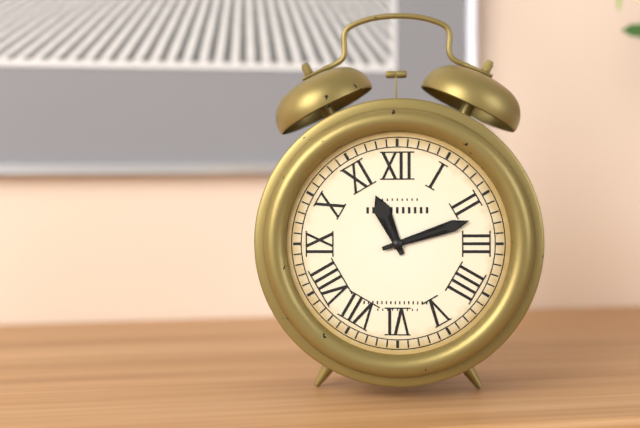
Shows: 11,12
